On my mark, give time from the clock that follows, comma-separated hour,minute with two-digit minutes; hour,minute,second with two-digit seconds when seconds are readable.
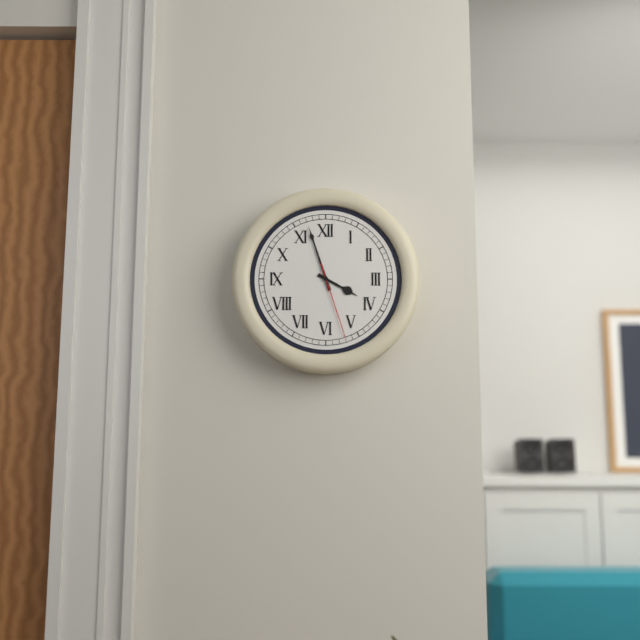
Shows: 3,57,27
